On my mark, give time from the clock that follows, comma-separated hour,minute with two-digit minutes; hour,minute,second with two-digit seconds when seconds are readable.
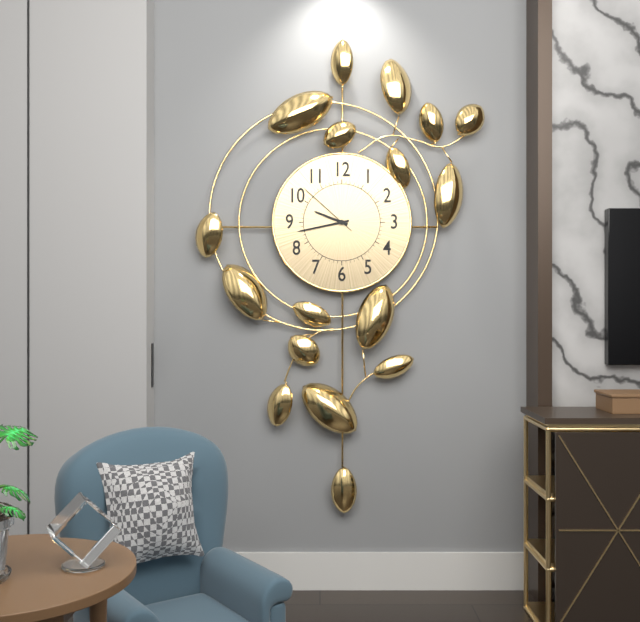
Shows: 9,43,52
